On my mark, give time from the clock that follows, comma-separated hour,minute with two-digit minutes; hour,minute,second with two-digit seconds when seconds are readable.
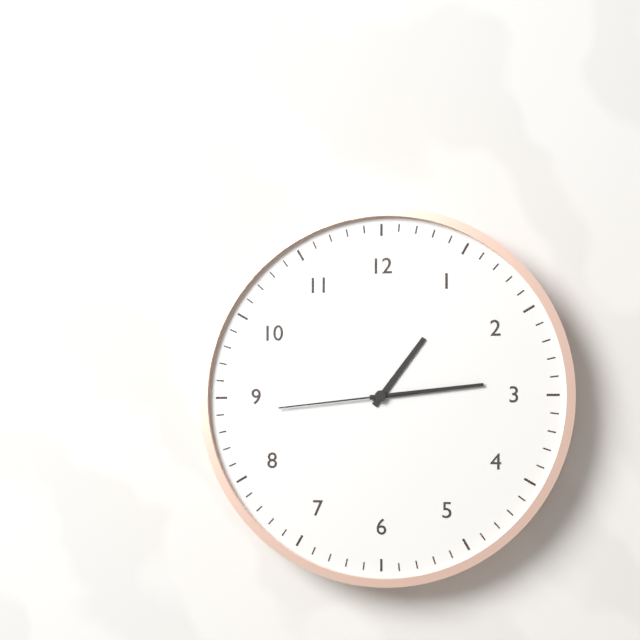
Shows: 1,14,44
